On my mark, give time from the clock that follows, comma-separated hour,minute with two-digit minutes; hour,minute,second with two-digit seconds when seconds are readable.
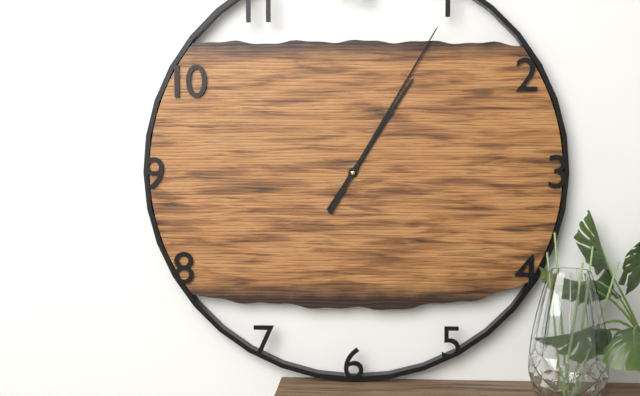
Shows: 1,05
